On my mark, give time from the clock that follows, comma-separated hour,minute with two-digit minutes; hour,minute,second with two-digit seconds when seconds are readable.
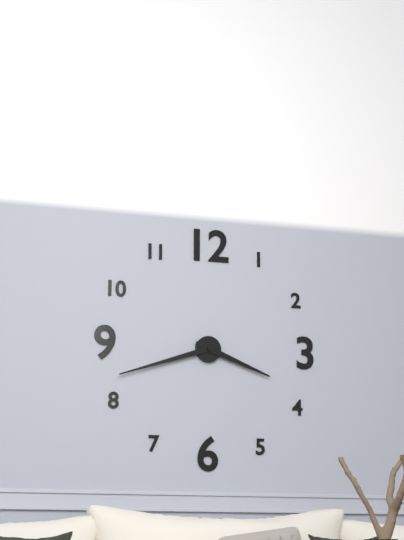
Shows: 3,42
